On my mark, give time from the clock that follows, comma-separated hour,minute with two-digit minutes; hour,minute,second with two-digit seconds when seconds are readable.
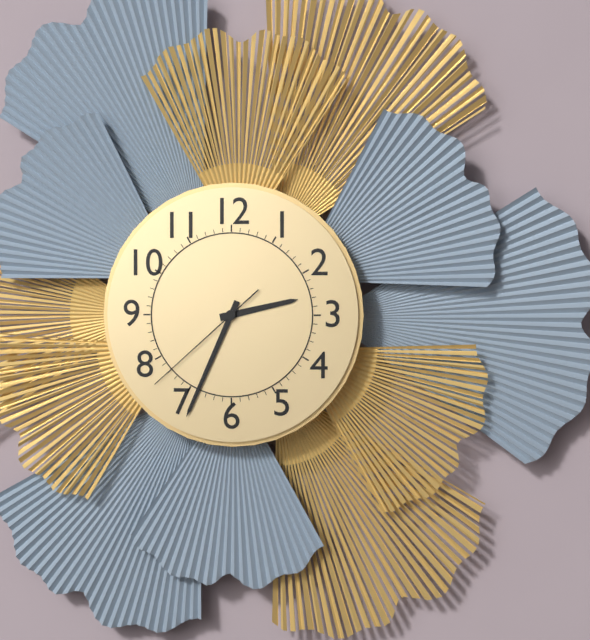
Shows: 2,34,38
